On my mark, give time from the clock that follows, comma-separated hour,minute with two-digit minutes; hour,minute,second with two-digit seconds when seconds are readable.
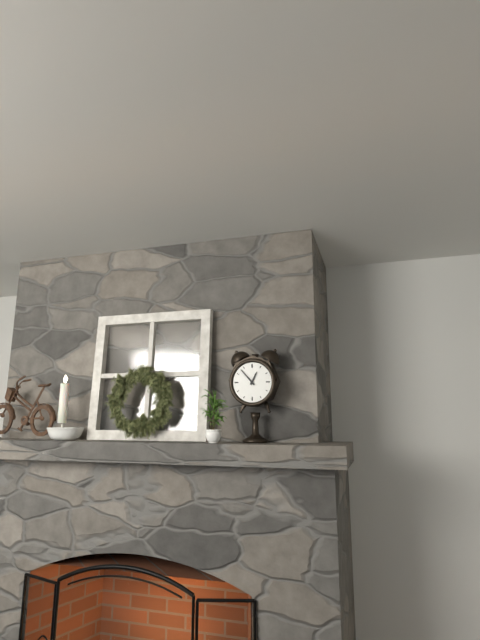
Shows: 12,53
